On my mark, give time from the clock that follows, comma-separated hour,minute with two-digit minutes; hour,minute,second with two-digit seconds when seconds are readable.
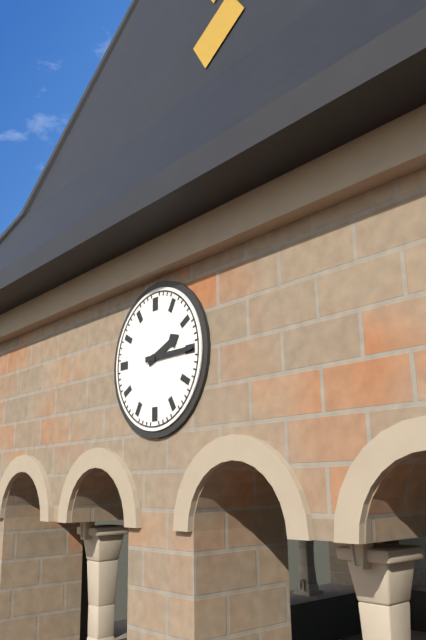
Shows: 2,15
